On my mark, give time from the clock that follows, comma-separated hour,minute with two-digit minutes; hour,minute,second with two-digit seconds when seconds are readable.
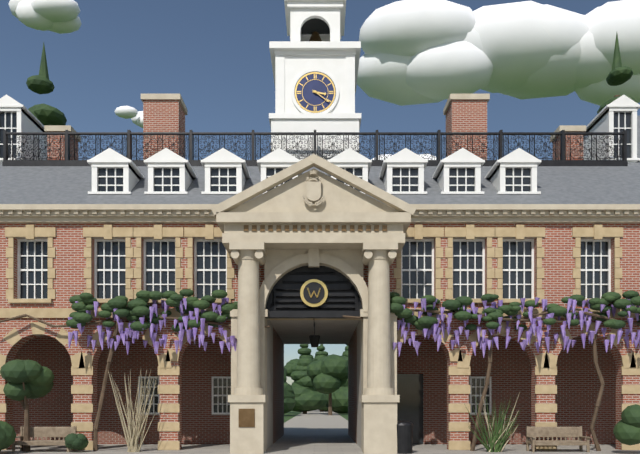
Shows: 3,21
